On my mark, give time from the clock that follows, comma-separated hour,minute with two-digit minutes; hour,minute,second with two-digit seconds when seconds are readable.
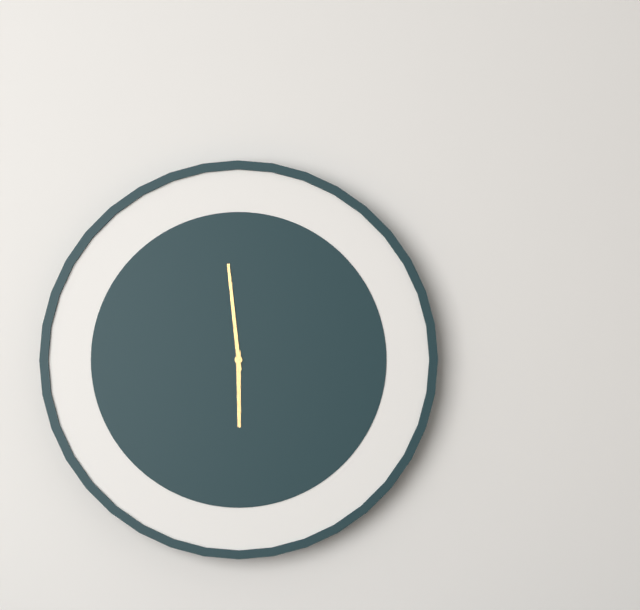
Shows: 5,59
